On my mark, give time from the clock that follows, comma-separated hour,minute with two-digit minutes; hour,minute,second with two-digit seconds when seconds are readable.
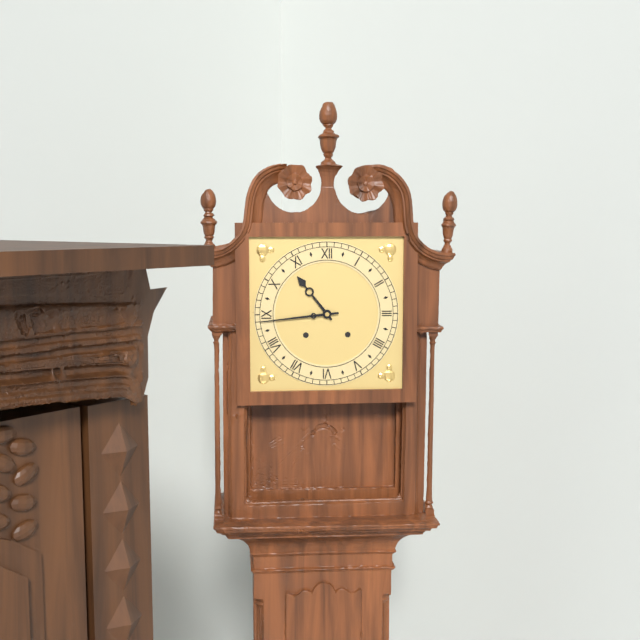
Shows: 10,44
